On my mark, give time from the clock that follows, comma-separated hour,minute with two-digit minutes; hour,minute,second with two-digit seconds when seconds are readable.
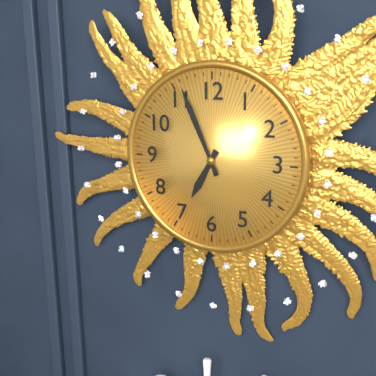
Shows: 6,56
